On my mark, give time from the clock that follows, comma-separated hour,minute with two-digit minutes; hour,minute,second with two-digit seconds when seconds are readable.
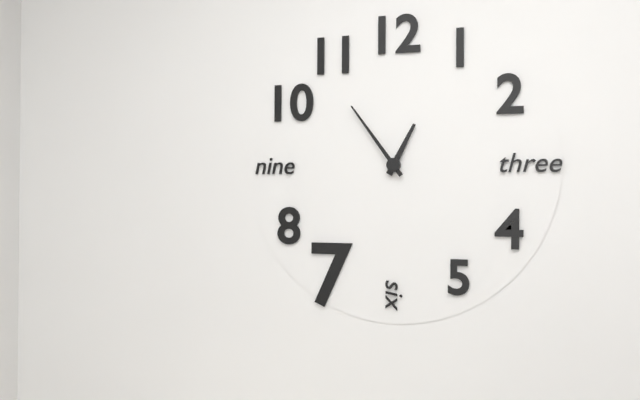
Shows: 12,54
